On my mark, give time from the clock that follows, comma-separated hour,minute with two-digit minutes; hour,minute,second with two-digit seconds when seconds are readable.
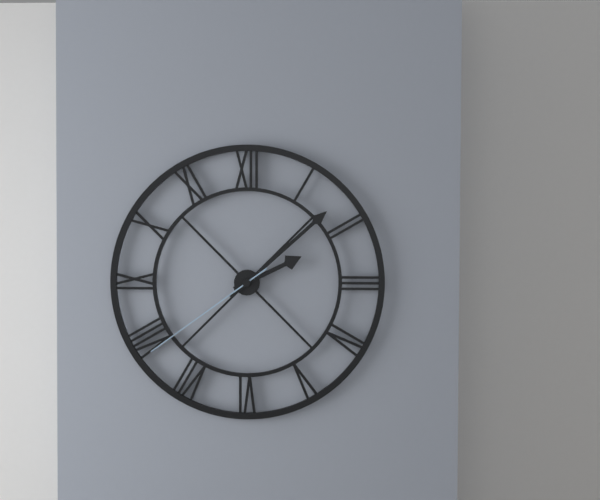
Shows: 2,08,39
